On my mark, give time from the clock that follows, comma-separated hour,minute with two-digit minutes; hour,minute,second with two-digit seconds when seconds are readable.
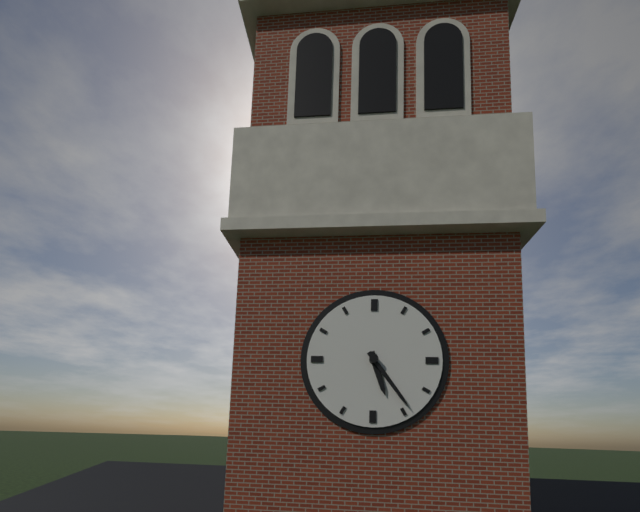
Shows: 5,24
